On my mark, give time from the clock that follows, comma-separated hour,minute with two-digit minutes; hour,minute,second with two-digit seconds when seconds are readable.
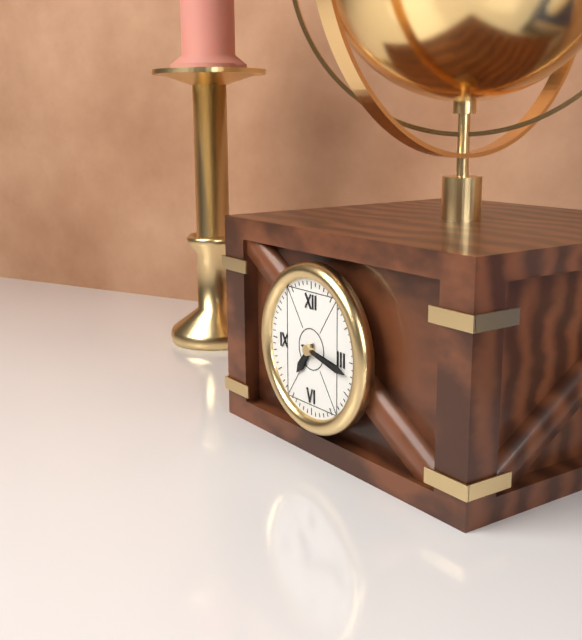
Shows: 7,17
